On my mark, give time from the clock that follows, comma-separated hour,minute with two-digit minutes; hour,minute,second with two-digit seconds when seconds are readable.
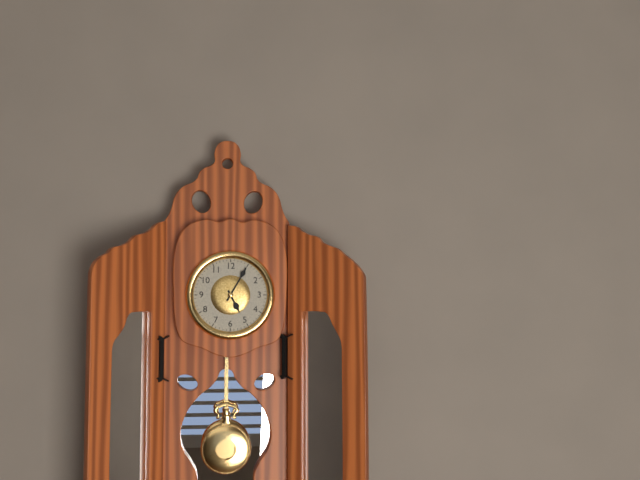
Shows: 5,05
